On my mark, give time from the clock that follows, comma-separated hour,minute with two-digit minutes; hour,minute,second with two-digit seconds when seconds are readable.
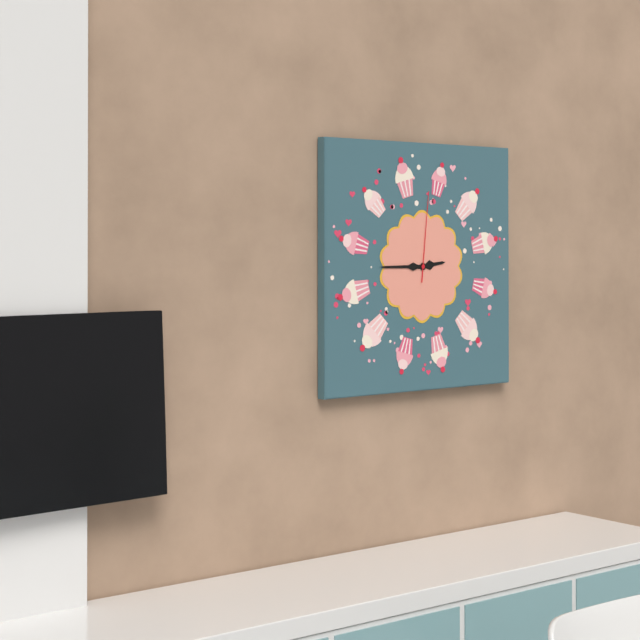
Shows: 2,45,01
